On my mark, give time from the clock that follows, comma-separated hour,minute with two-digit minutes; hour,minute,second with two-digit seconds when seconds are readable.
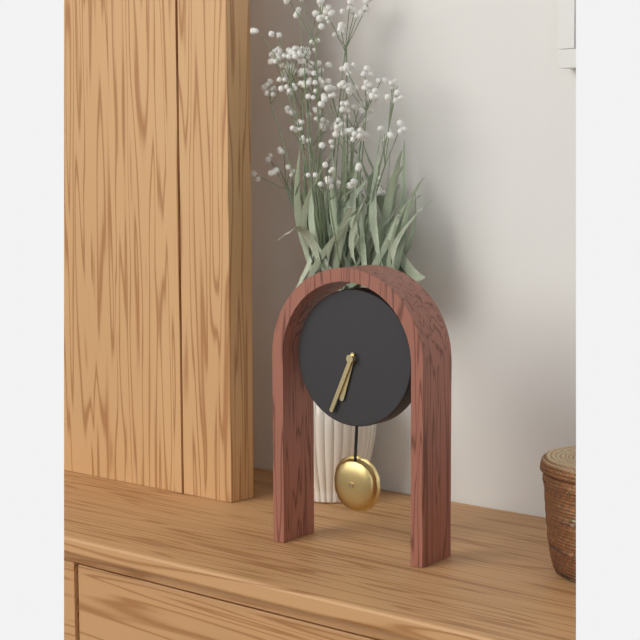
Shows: 6,34
